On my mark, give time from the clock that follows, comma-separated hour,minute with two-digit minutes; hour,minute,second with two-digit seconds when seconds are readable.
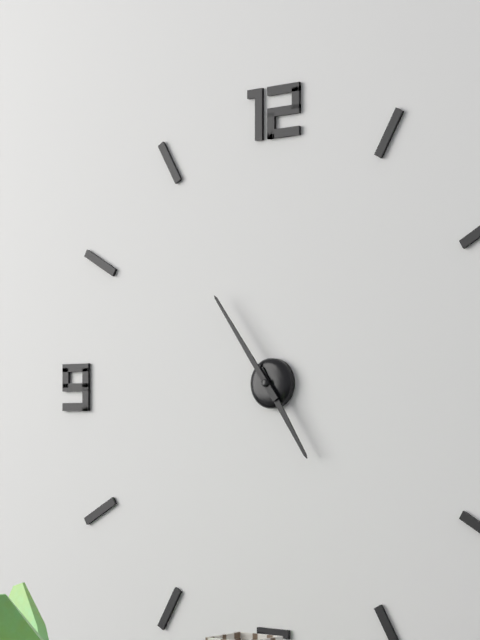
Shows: 4,54
